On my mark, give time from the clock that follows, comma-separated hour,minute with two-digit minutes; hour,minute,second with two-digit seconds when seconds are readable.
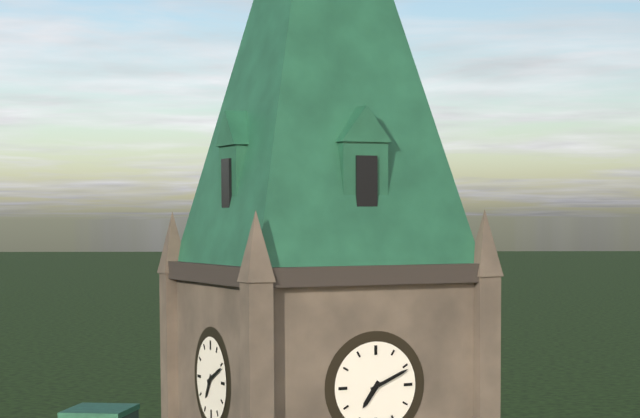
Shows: 7,11
